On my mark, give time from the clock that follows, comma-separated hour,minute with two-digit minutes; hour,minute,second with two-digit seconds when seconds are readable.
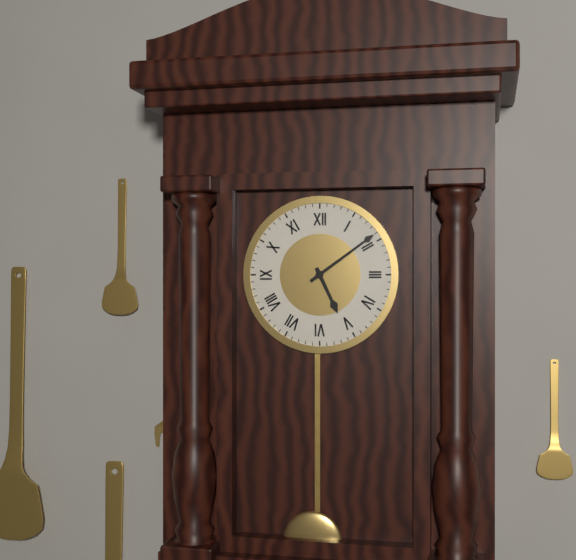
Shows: 5,09
